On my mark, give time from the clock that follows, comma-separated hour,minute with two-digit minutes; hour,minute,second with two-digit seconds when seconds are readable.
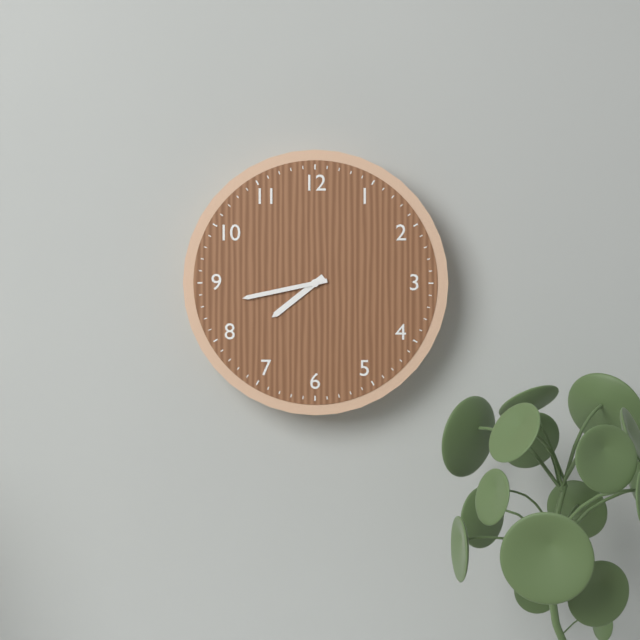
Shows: 7,43
